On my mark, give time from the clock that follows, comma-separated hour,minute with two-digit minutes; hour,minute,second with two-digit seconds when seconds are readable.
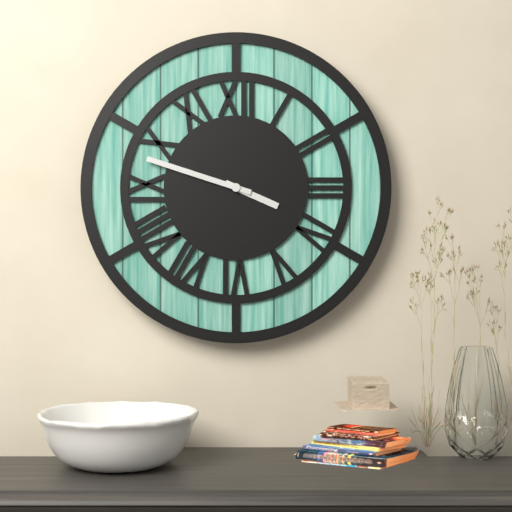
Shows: 3,48
